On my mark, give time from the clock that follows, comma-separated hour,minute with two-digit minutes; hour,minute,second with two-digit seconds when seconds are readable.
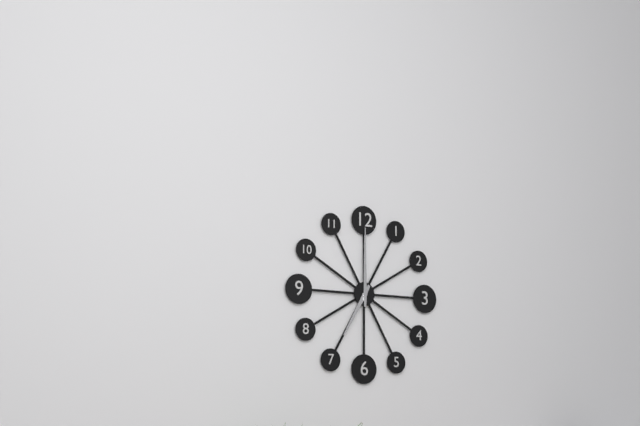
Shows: 7,00
